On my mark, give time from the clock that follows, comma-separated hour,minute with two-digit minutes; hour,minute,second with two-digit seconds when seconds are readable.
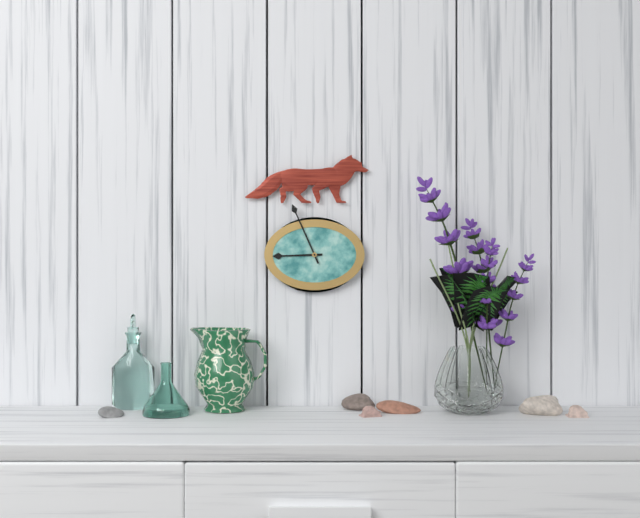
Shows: 8,56
